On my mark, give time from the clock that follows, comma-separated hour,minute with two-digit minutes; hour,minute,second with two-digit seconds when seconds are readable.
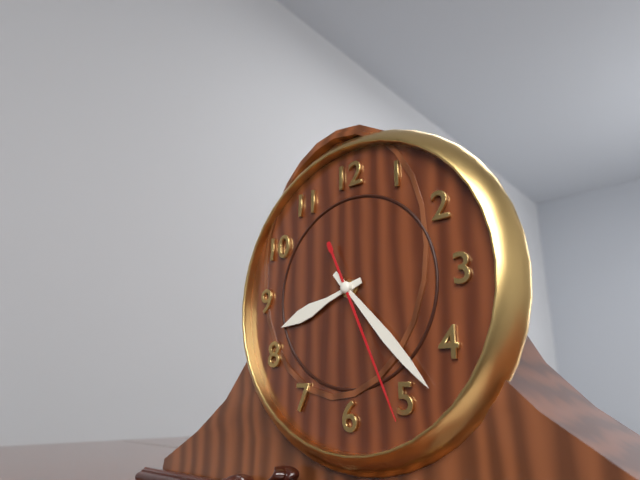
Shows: 8,23,26
